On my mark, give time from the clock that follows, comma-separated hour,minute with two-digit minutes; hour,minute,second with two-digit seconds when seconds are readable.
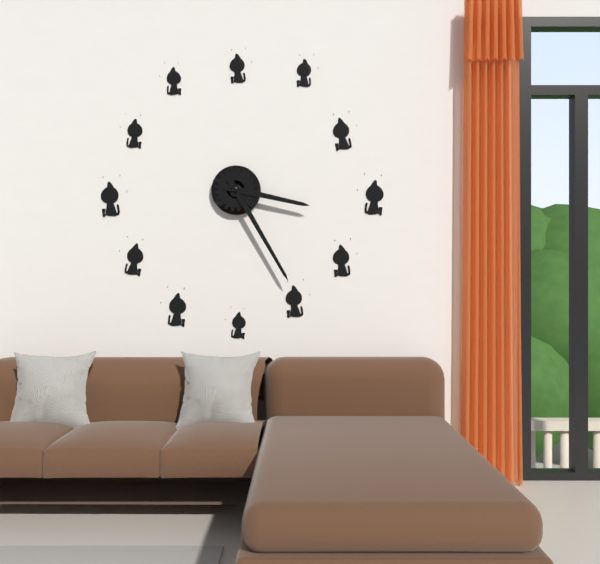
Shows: 3,25
